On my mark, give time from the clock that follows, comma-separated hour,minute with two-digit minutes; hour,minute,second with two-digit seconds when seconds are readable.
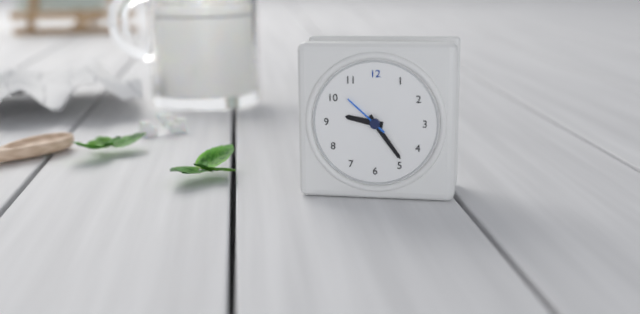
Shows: 9,24
